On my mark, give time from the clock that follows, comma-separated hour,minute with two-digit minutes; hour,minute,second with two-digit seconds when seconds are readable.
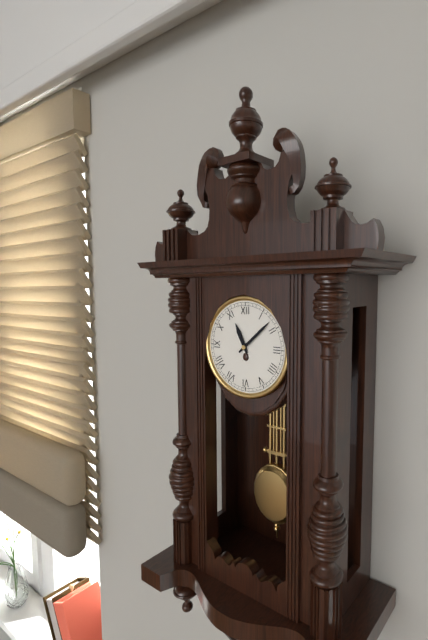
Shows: 11,08
